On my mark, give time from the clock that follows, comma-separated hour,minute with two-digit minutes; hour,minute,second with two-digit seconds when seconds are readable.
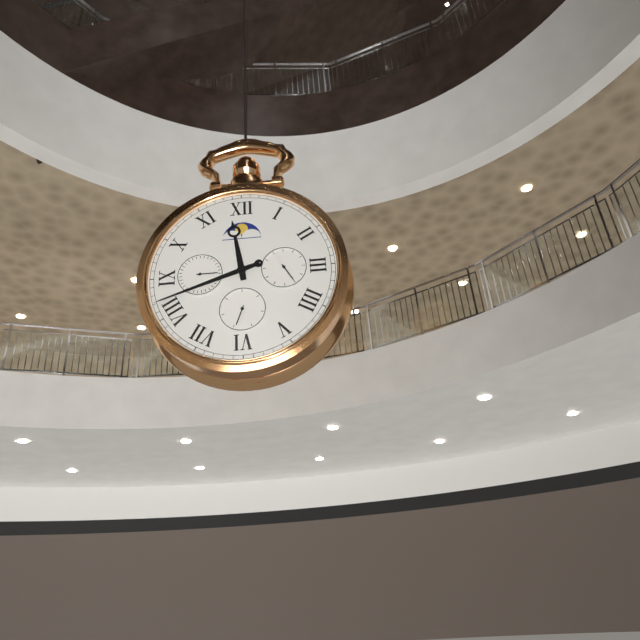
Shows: 11,42
